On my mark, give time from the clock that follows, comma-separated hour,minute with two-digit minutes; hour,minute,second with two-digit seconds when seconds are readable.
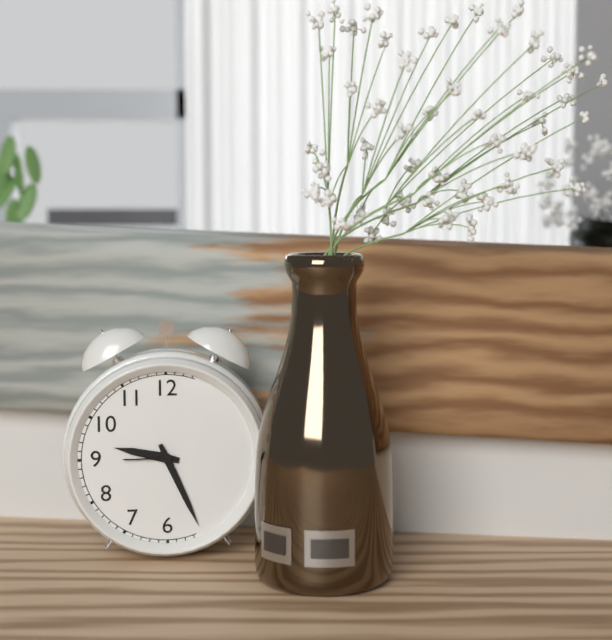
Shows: 9,26
